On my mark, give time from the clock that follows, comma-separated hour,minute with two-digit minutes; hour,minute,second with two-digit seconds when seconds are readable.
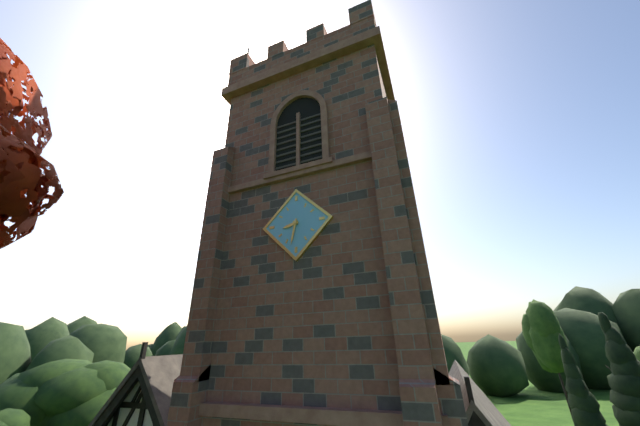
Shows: 8,32
